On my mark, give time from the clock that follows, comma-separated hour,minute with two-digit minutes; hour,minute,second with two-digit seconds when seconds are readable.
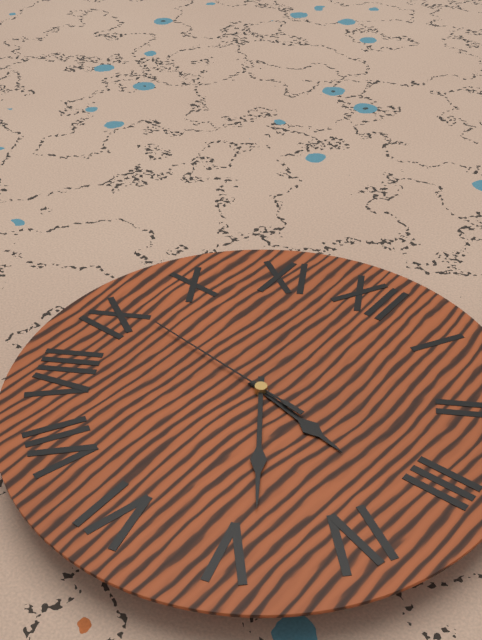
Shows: 3,24,46
